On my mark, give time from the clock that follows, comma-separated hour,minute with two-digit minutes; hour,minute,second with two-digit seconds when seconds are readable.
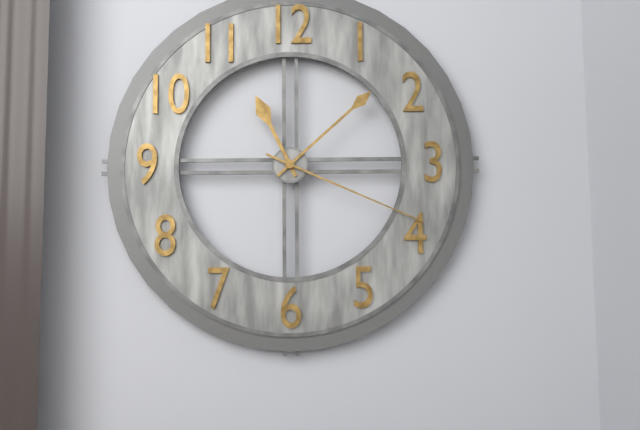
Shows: 11,08,19
